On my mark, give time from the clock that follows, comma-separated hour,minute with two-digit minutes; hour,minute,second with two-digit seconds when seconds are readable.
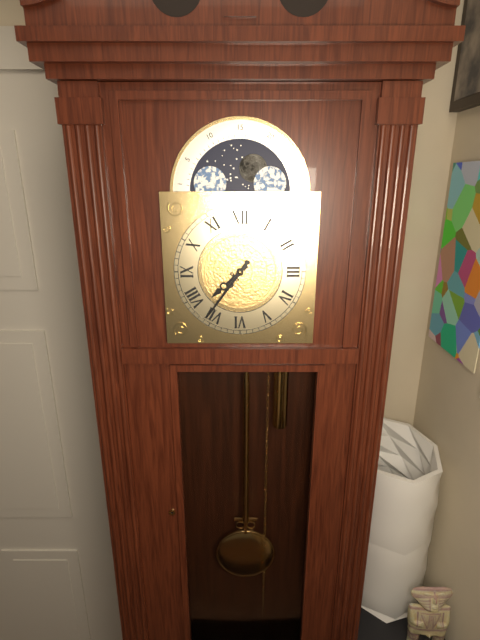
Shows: 7,36
